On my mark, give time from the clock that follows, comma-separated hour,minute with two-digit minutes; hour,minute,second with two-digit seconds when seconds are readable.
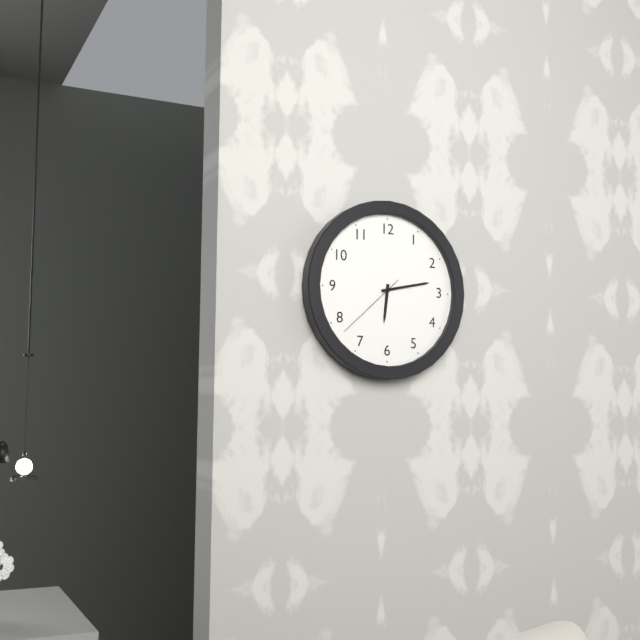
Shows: 6,13,38
